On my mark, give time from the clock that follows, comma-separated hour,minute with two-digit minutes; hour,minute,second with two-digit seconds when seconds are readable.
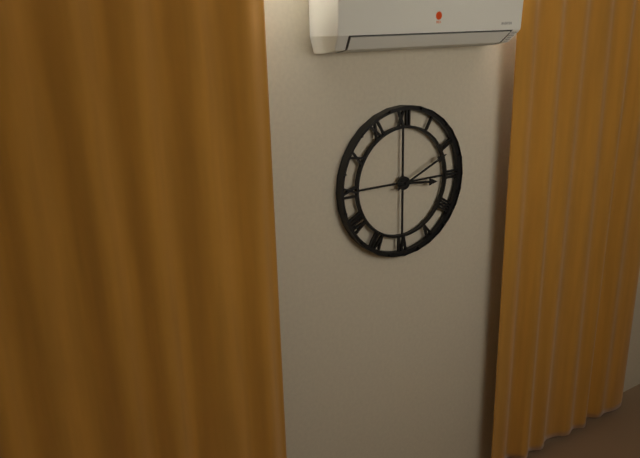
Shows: 3,11
